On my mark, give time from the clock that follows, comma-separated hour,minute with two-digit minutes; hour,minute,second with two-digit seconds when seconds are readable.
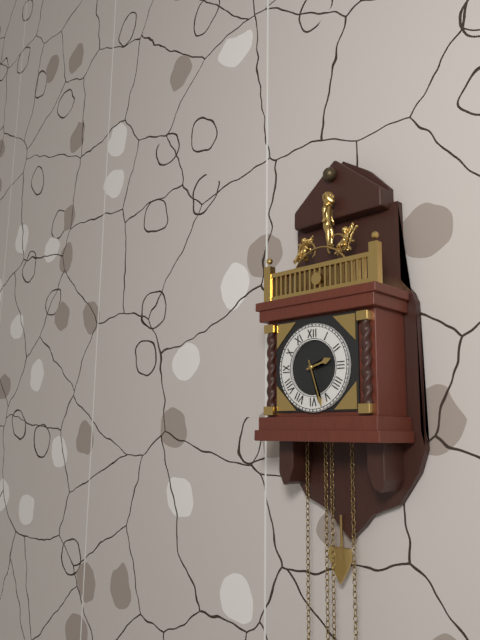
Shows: 2,27
